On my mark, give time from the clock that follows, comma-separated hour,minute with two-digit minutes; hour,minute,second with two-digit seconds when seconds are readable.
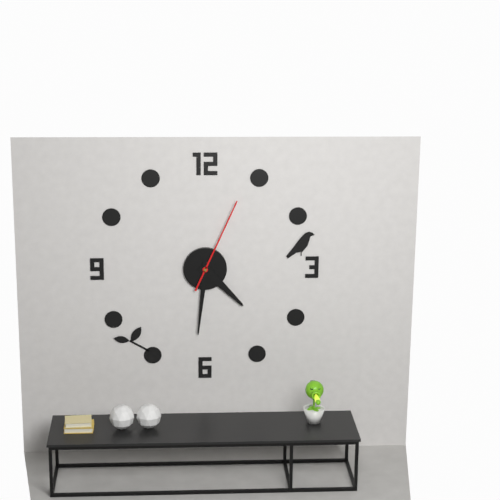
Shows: 4,31,04
